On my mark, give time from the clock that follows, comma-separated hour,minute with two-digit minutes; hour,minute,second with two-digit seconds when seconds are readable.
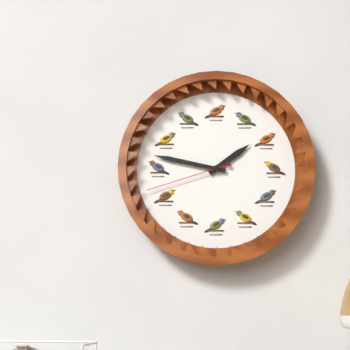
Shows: 1,47,42
